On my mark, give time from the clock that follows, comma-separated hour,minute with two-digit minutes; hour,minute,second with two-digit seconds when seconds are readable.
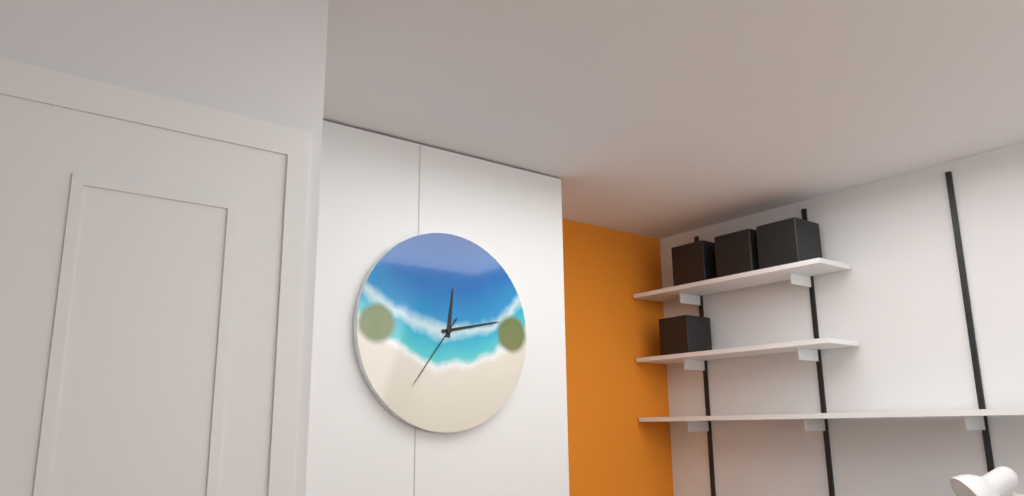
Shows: 12,13,36
